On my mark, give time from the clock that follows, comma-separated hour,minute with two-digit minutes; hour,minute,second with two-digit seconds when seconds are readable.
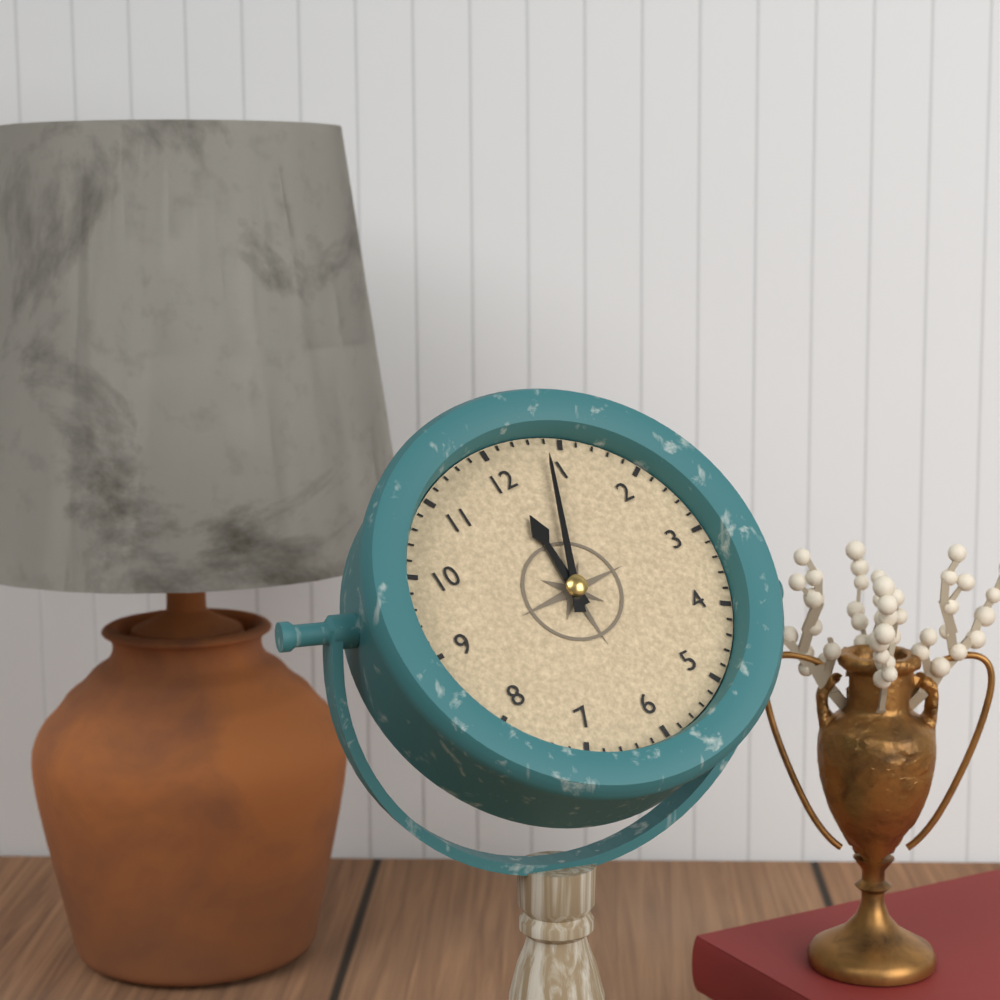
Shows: 12,04
